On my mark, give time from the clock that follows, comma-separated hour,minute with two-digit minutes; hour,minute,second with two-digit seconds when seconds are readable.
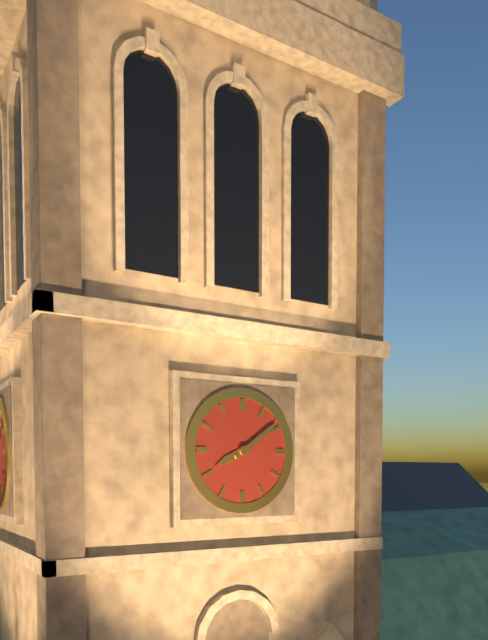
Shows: 8,09
